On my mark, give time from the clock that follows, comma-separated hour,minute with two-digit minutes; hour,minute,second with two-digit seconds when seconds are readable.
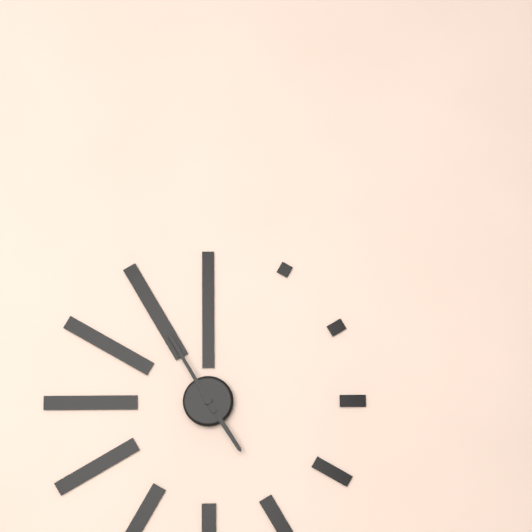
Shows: 4,55
